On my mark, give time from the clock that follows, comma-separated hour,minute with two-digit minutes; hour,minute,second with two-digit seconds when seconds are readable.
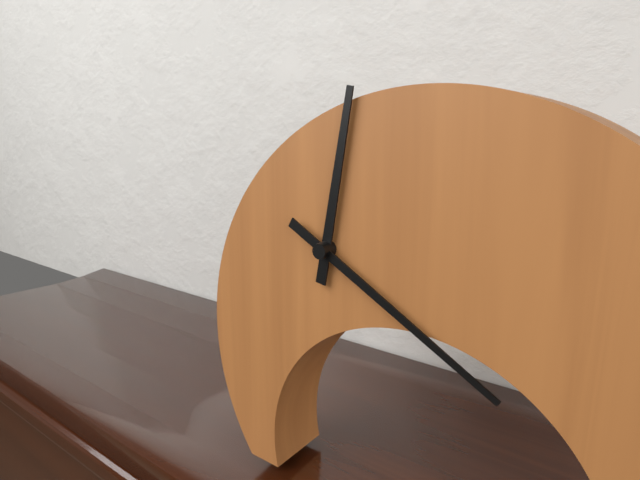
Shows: 12,20
